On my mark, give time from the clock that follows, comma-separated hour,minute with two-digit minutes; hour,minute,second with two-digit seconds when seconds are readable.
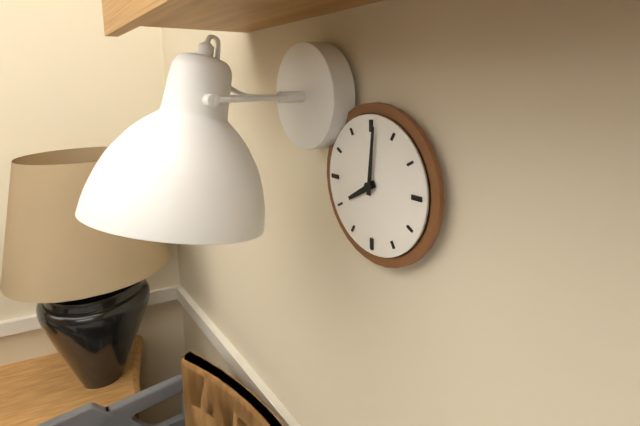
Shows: 8,01
